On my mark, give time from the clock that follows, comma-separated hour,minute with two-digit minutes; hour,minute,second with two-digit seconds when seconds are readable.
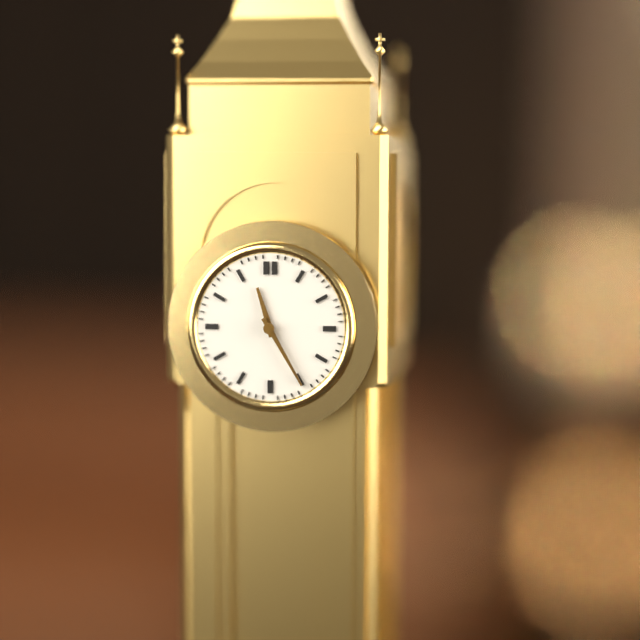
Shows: 11,25
